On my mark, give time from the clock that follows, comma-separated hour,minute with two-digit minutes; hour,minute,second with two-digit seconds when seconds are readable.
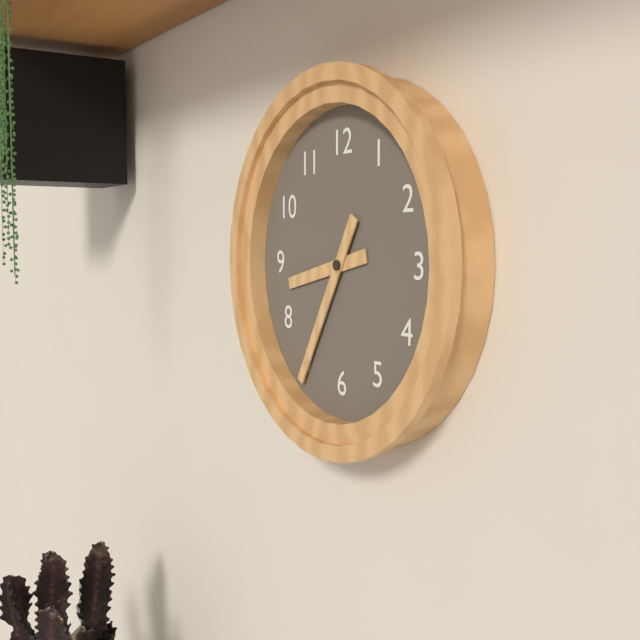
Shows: 8,35
